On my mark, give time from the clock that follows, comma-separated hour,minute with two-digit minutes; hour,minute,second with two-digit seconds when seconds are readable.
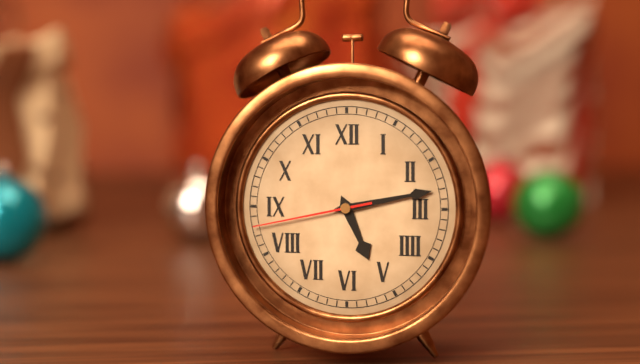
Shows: 5,13,43
